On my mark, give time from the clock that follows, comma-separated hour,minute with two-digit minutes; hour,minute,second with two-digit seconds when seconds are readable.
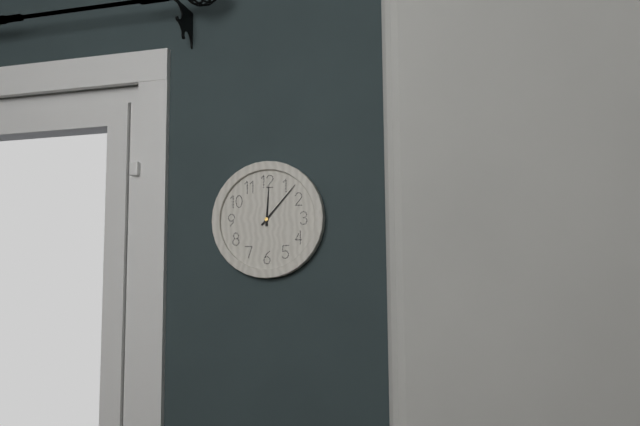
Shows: 12,07
